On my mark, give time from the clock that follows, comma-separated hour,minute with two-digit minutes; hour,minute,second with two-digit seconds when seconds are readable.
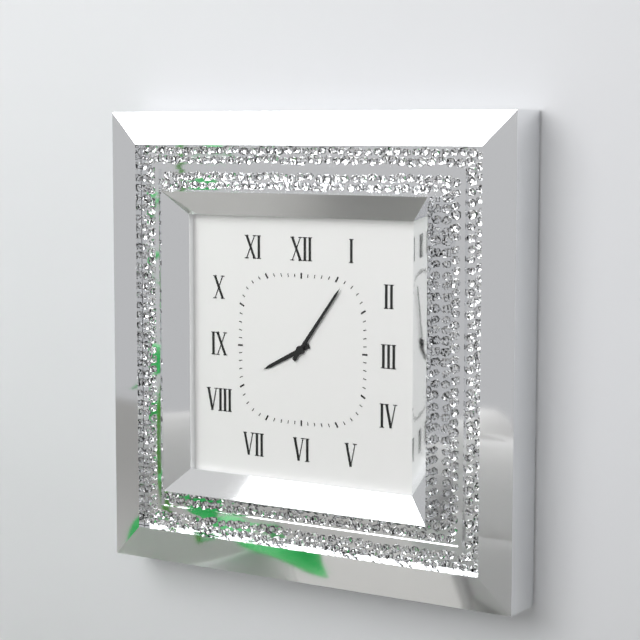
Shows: 8,06
